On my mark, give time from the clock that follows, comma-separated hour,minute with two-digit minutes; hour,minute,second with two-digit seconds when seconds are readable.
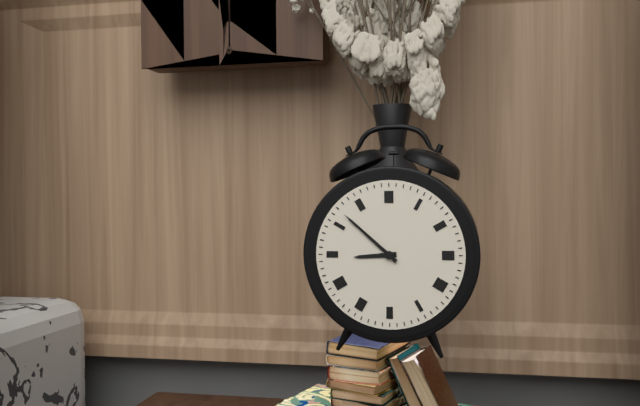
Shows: 8,52
